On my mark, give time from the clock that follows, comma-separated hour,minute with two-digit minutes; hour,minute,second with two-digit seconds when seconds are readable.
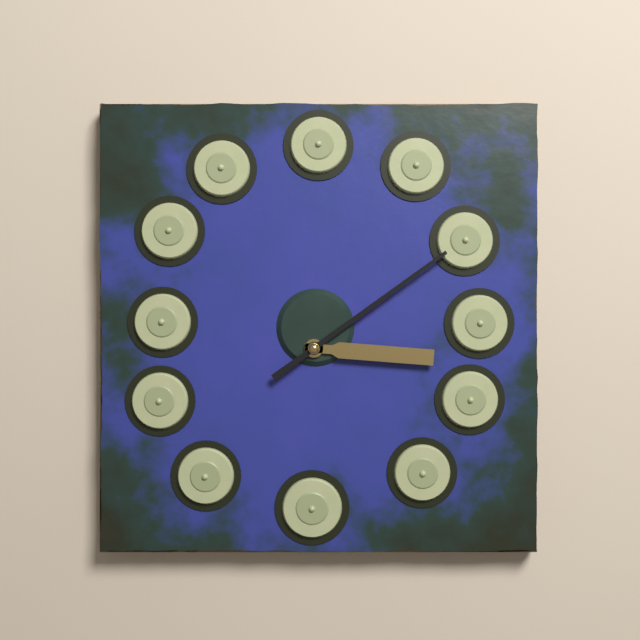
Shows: 3,09
